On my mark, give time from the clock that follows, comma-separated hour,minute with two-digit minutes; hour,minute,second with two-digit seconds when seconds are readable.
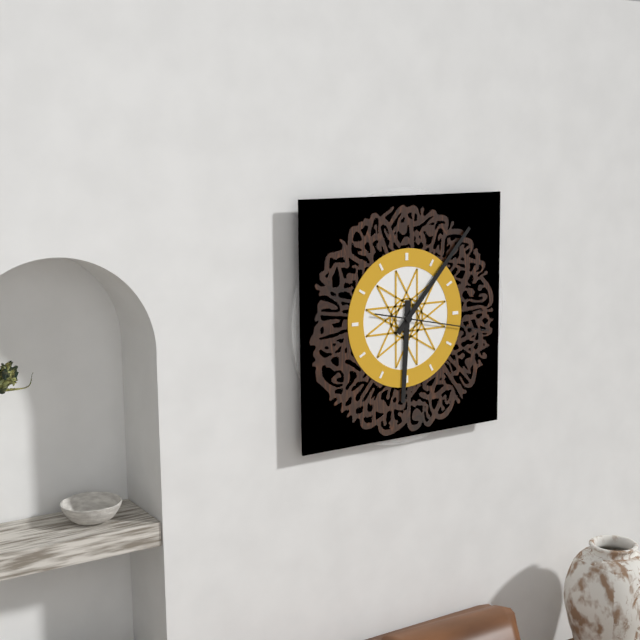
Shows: 6,07,17
